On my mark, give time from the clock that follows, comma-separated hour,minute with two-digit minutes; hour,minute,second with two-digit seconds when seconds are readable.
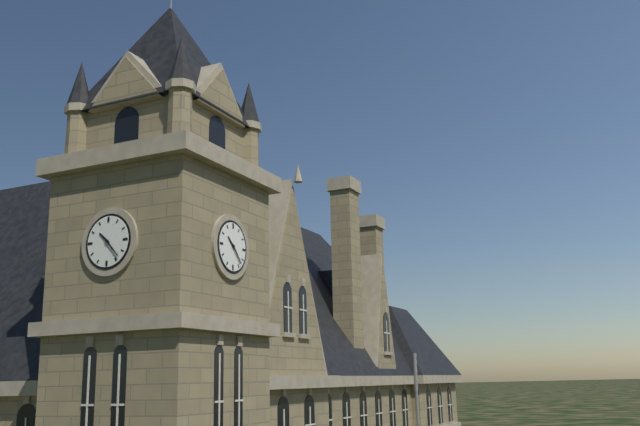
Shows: 10,23
